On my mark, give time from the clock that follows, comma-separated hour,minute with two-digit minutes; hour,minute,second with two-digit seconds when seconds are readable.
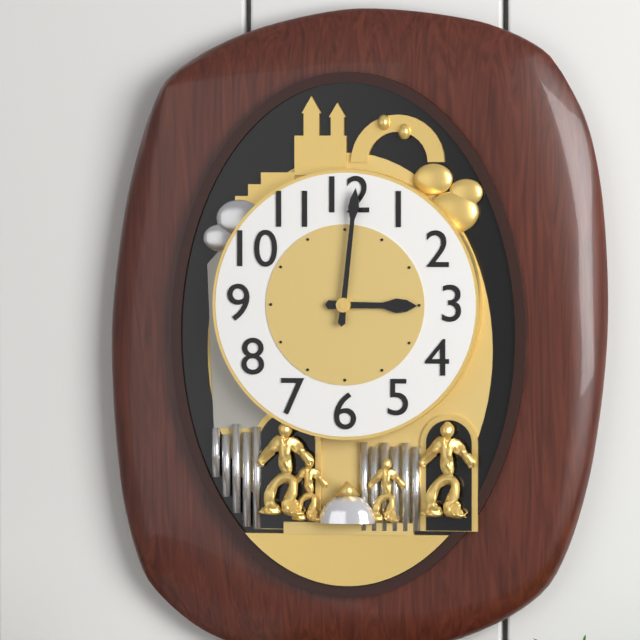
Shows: 3,01
